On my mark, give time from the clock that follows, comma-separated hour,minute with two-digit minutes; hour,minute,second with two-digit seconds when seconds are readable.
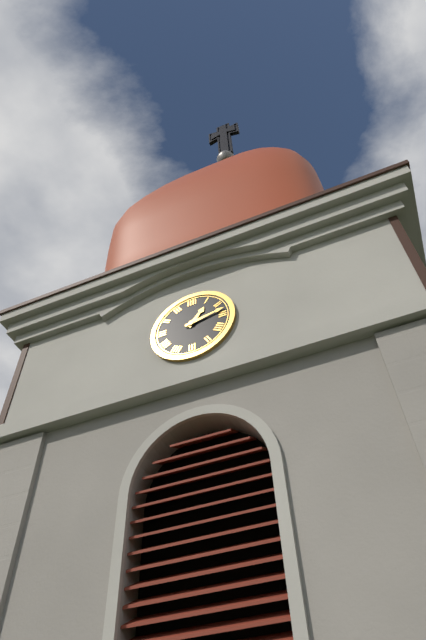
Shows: 1,13
